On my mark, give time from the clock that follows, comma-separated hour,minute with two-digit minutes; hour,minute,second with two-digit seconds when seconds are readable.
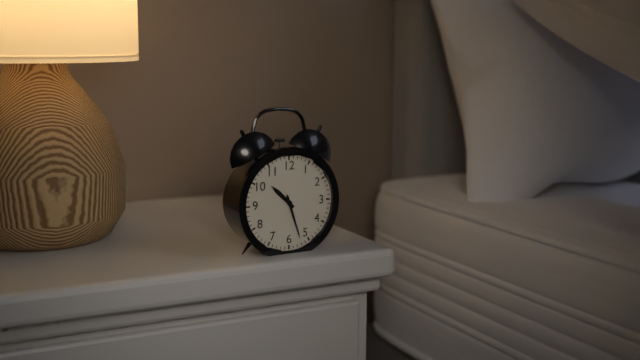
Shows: 10,27
